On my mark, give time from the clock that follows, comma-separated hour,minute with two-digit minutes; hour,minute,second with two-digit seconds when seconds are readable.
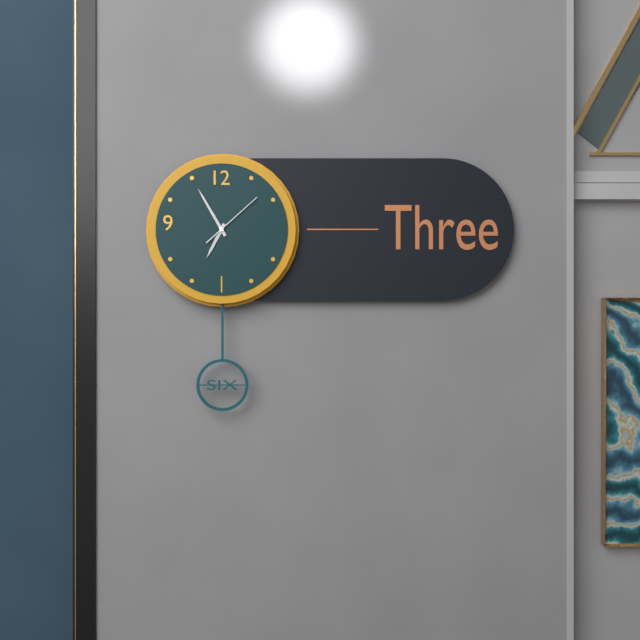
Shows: 6,55,08
